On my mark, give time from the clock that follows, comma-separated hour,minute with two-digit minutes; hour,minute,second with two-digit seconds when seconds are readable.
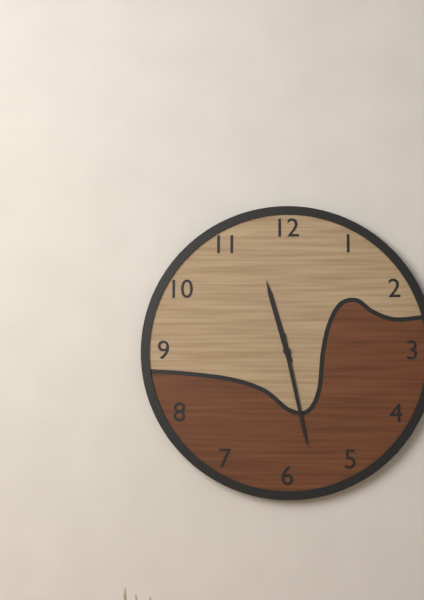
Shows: 11,28
